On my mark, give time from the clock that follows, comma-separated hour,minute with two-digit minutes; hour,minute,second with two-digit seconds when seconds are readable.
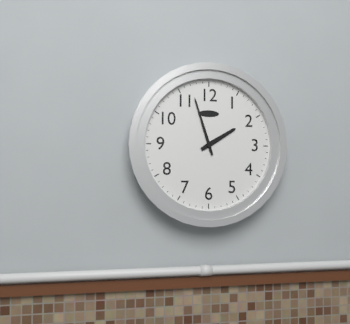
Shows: 1,57
